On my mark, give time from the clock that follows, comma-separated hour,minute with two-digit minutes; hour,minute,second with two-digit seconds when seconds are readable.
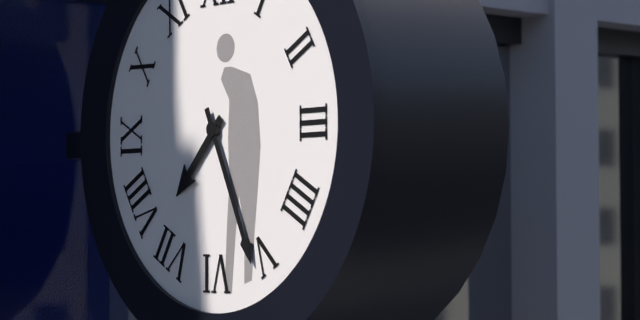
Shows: 7,26
